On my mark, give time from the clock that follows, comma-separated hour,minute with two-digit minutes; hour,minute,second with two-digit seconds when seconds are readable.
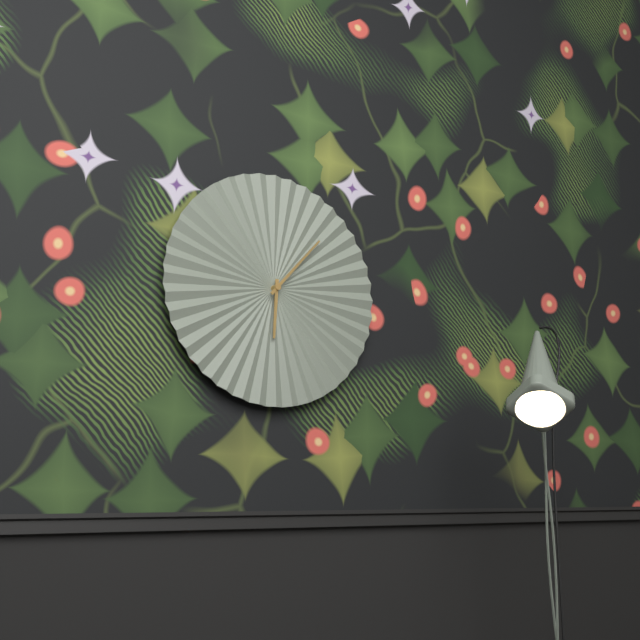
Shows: 6,07
